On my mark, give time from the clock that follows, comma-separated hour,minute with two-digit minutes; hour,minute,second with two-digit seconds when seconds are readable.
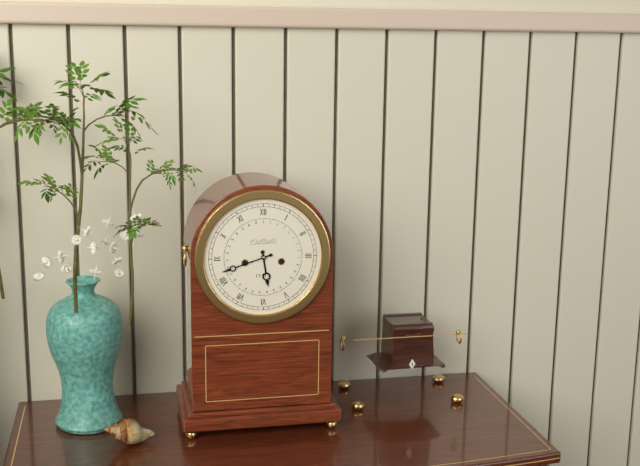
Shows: 5,42
